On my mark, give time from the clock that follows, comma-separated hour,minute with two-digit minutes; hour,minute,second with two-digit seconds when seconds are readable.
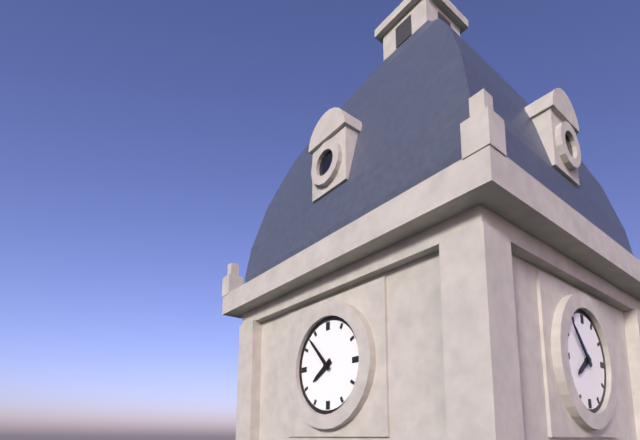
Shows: 7,53
